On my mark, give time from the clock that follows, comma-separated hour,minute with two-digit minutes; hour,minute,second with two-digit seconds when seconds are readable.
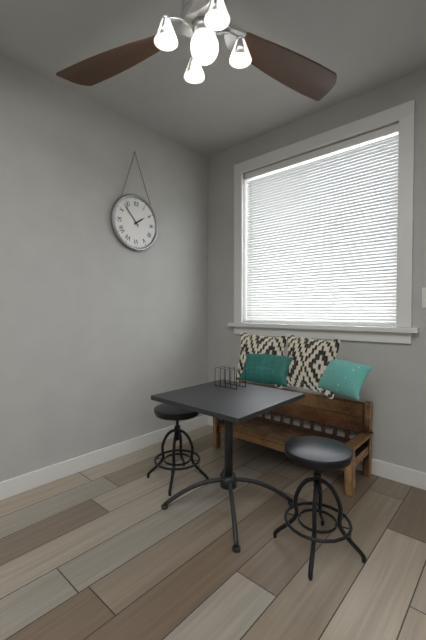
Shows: 1,53
